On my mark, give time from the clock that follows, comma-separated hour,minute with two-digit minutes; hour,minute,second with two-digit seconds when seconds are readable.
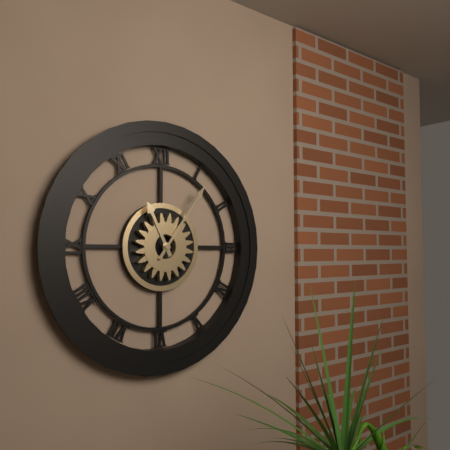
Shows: 11,06
